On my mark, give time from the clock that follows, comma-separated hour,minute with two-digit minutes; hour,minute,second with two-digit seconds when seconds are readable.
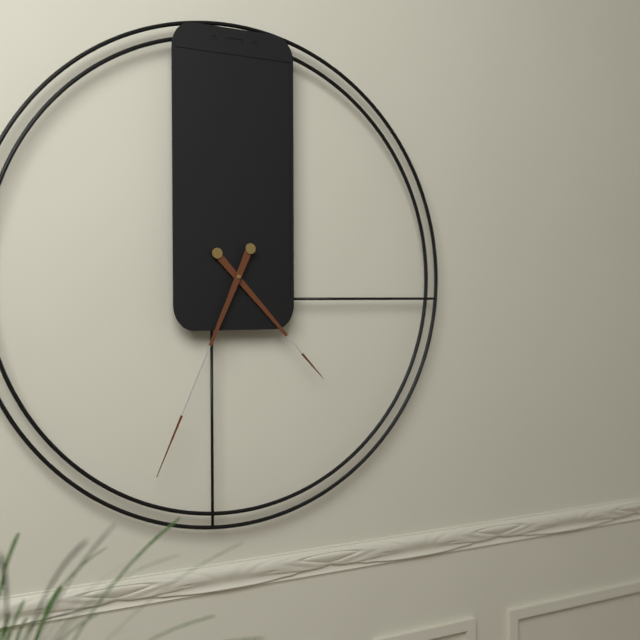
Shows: 4,34
